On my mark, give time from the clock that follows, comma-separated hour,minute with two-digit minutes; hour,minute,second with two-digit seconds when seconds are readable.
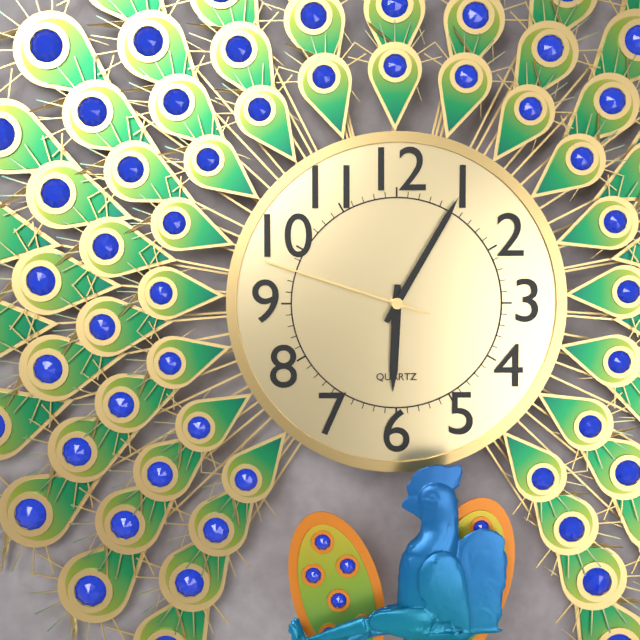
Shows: 6,05,48
